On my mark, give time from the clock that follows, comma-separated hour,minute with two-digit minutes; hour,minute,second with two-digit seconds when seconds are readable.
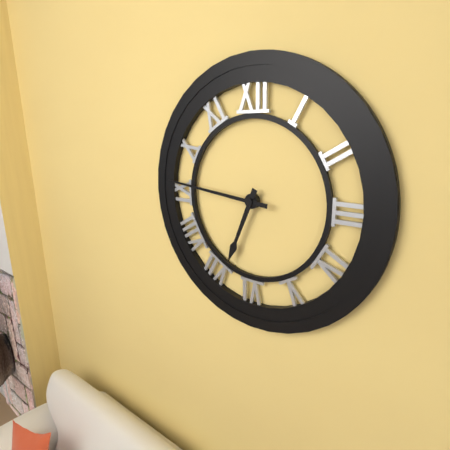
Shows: 6,46
